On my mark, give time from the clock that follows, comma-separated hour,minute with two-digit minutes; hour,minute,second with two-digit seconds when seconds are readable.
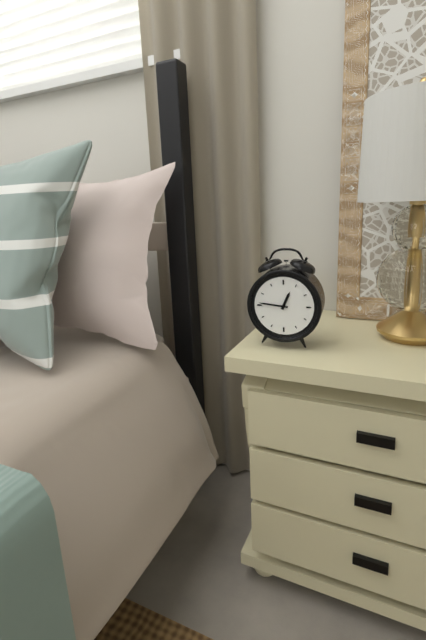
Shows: 12,46
